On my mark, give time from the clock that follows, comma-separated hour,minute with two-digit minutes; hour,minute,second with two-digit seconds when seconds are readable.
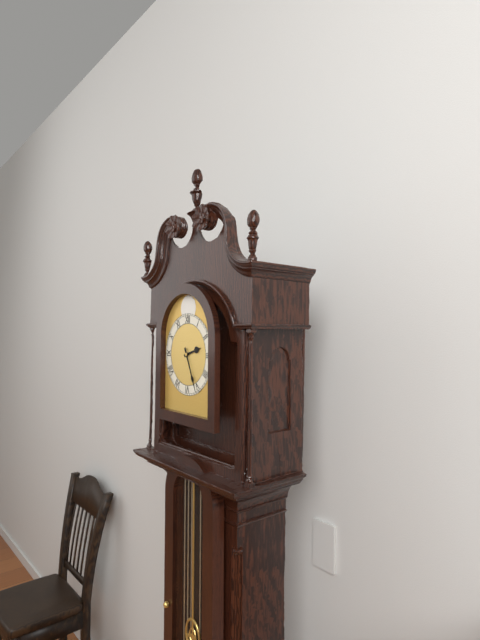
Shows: 2,26
